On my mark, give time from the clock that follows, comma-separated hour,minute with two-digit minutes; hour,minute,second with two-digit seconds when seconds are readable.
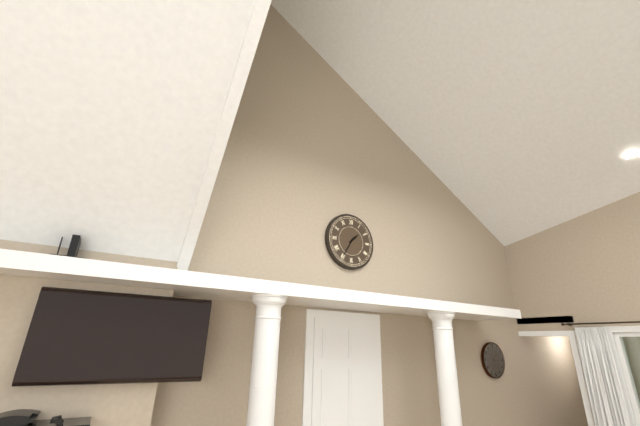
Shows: 1,35
